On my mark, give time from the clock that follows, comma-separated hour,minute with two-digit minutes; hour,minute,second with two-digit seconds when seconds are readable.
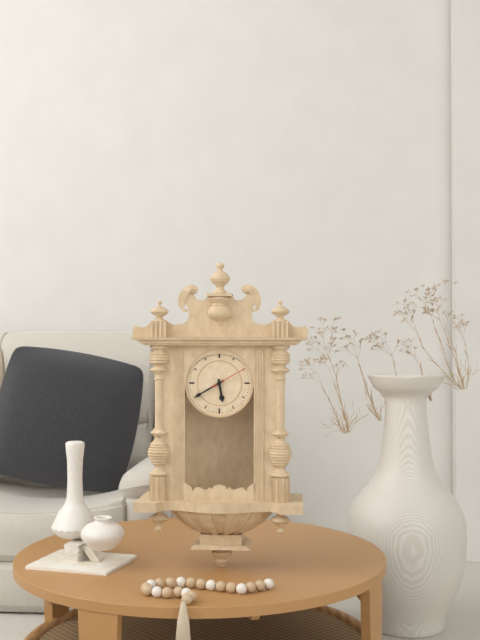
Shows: 5,40
